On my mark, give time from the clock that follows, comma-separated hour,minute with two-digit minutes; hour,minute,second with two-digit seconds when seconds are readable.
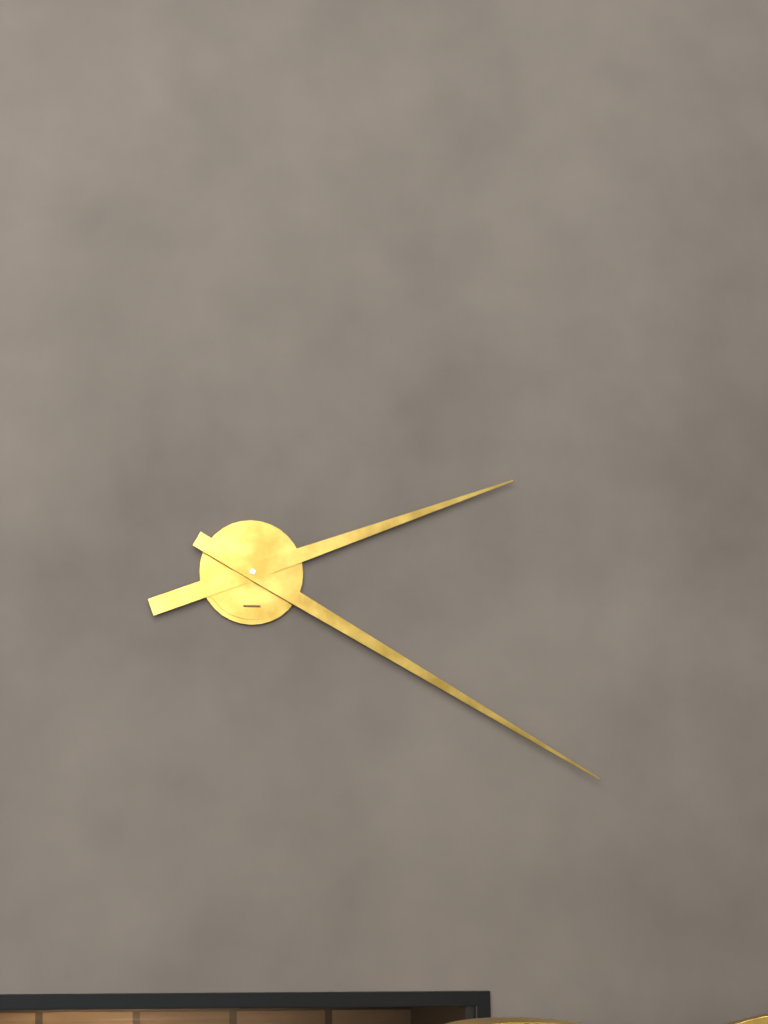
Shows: 2,20
